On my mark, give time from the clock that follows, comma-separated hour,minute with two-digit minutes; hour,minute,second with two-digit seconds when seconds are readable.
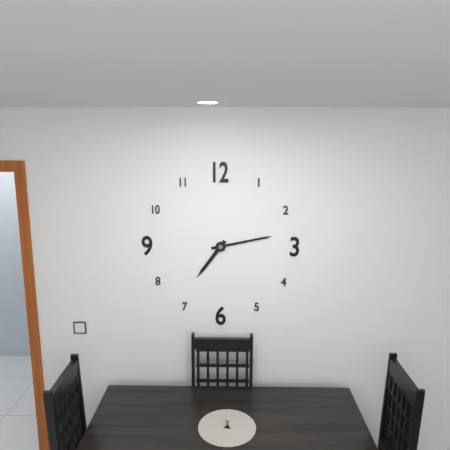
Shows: 7,13
